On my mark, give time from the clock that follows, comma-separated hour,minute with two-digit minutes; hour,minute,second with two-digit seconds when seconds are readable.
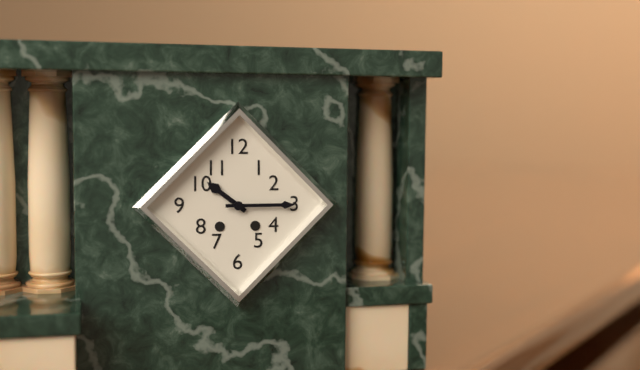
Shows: 10,15
